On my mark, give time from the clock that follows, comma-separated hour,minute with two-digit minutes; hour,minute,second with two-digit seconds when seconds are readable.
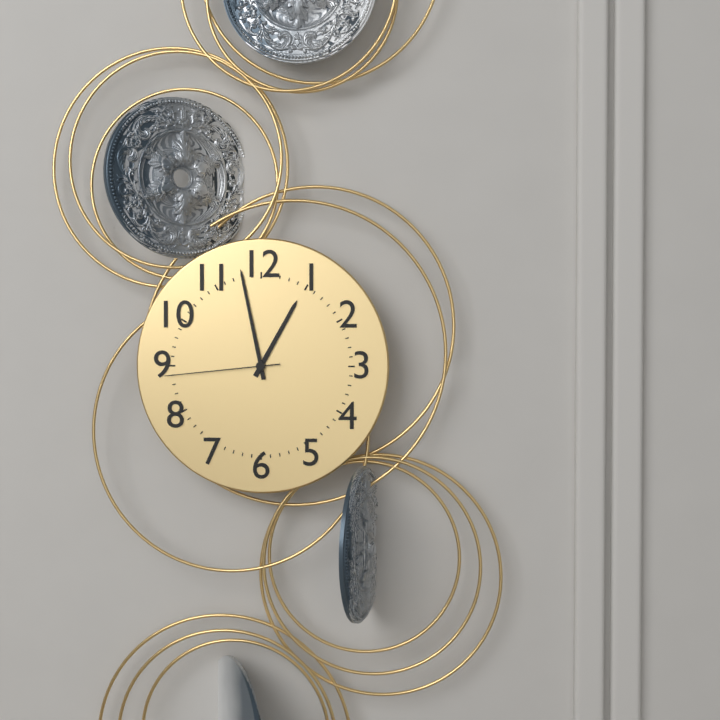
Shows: 12,58,44
